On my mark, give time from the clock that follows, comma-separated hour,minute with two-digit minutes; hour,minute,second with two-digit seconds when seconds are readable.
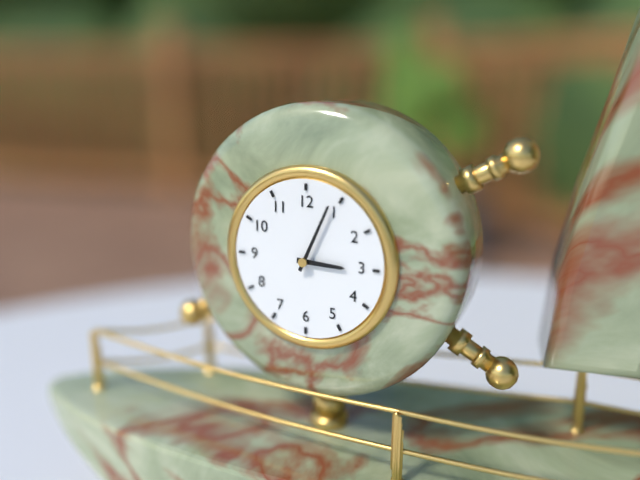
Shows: 3,04
